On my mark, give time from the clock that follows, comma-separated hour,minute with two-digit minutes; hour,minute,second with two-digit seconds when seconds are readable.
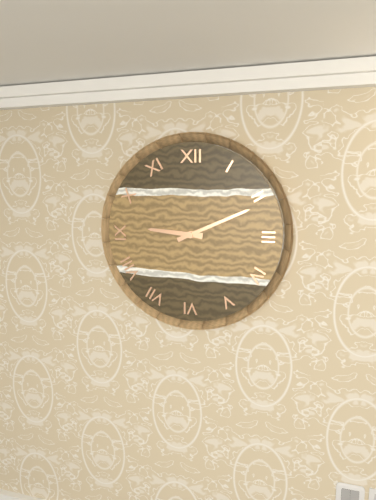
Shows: 9,11
